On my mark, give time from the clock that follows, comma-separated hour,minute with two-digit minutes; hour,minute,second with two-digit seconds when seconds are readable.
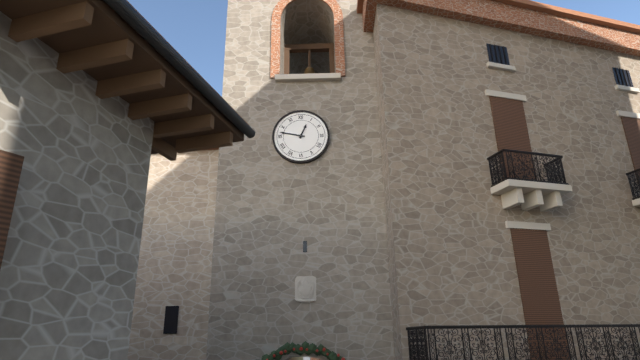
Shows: 12,47
